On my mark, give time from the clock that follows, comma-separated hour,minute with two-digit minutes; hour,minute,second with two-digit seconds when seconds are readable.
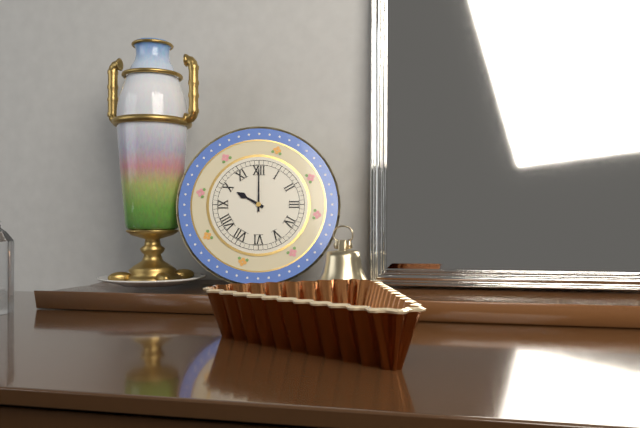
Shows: 10,00
